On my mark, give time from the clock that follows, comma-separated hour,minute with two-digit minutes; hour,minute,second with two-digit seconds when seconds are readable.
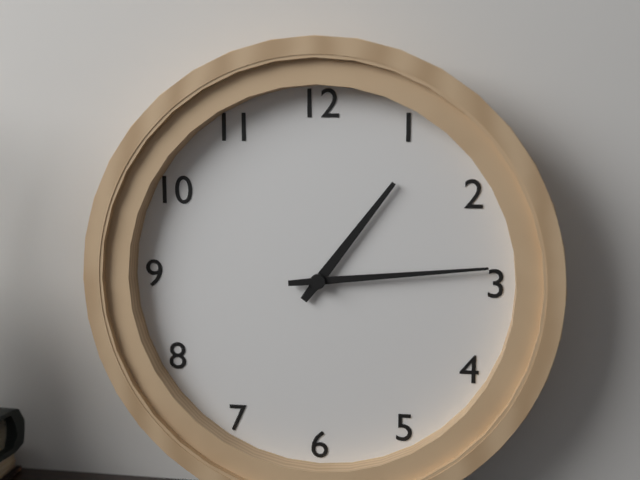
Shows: 1,14
